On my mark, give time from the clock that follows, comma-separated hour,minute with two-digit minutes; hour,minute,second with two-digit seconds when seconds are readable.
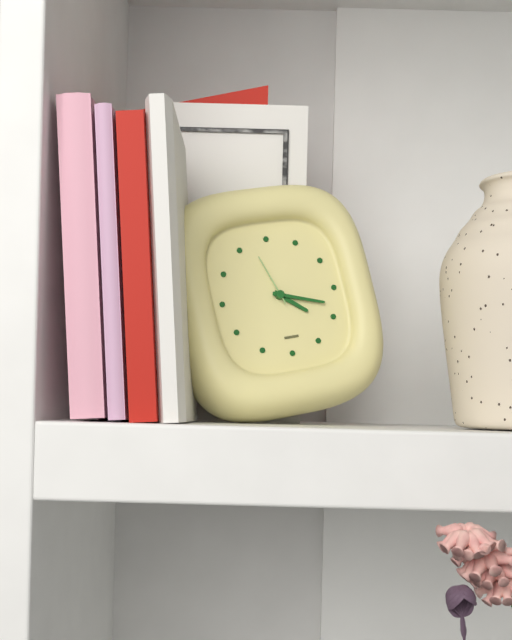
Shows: 4,18,57
